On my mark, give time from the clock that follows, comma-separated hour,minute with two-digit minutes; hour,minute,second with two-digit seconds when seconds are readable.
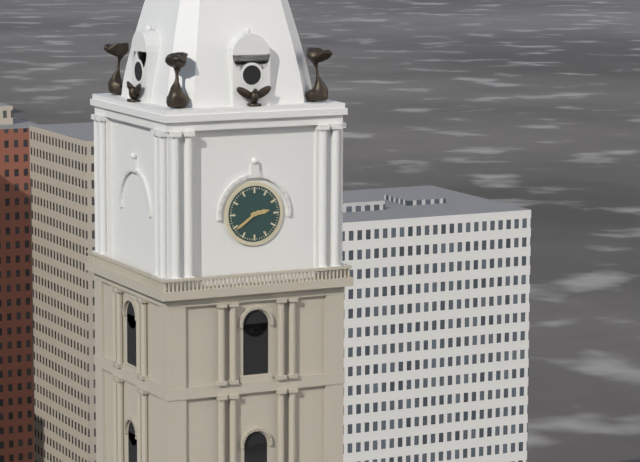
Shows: 2,39
